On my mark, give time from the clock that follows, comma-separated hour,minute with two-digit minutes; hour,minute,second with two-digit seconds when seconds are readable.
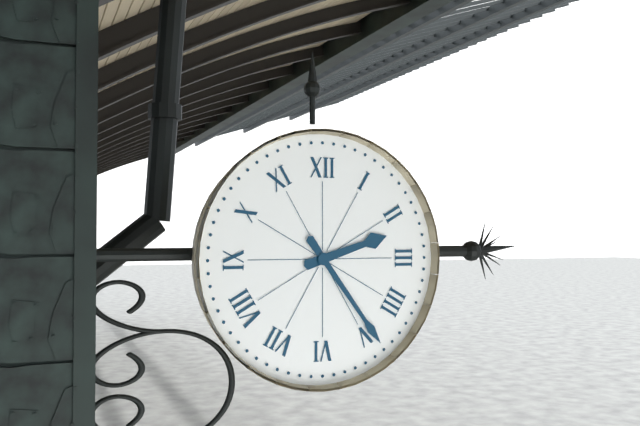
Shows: 2,24
